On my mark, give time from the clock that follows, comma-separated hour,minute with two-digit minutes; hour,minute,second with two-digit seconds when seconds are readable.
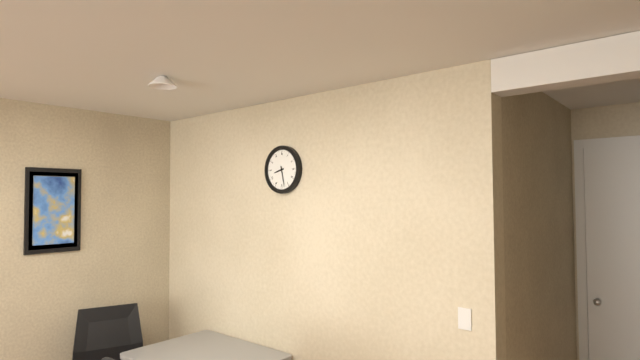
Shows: 8,28
